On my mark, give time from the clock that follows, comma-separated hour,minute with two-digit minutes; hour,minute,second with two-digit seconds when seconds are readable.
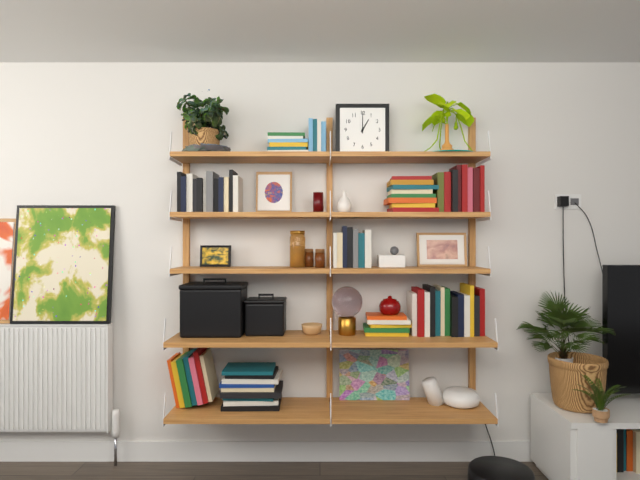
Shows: 1,00
